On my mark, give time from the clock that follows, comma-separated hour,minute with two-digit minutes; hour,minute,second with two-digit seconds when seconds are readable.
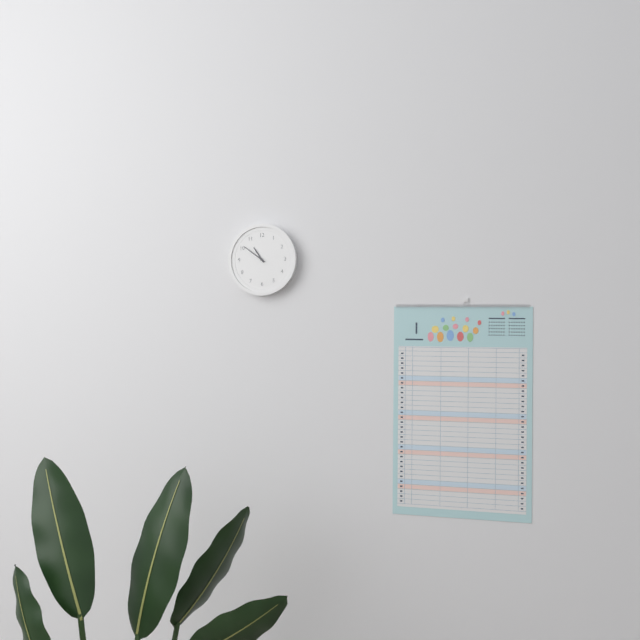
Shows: 10,51
